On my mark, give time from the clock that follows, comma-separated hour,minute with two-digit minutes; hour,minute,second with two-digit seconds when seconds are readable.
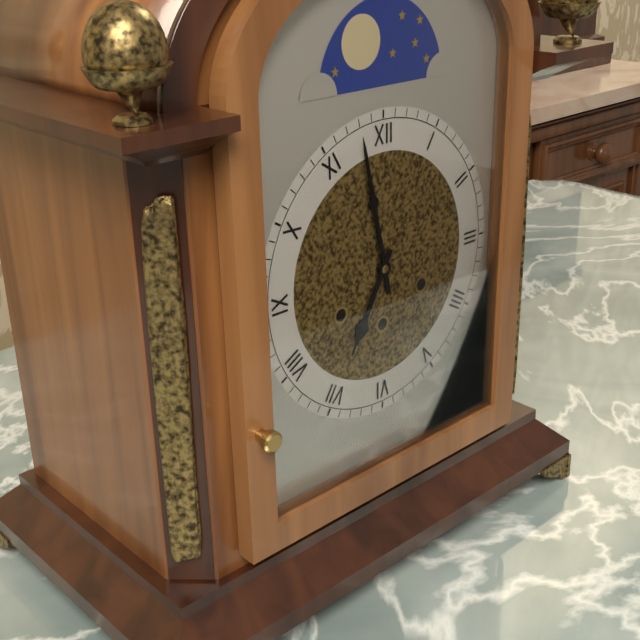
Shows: 6,58
